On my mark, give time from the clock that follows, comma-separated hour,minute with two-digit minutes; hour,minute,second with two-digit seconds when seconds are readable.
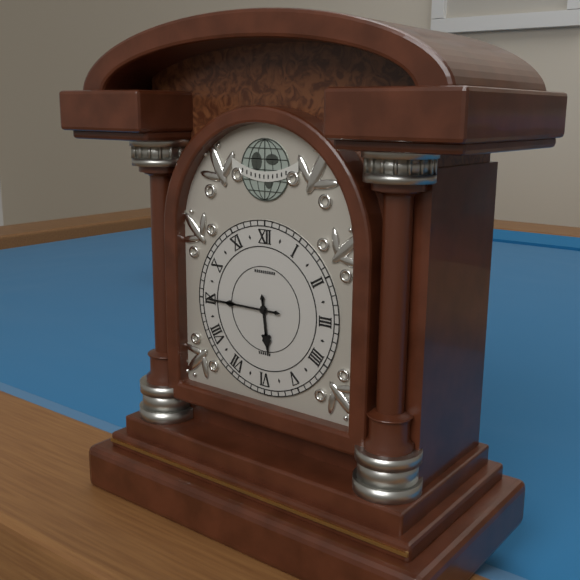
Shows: 5,45
